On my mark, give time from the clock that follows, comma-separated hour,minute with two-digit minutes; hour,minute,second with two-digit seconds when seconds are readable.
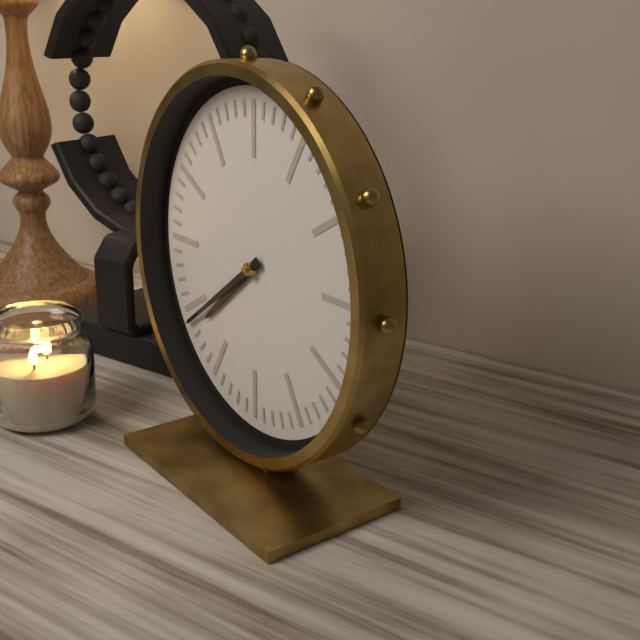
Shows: 7,39
